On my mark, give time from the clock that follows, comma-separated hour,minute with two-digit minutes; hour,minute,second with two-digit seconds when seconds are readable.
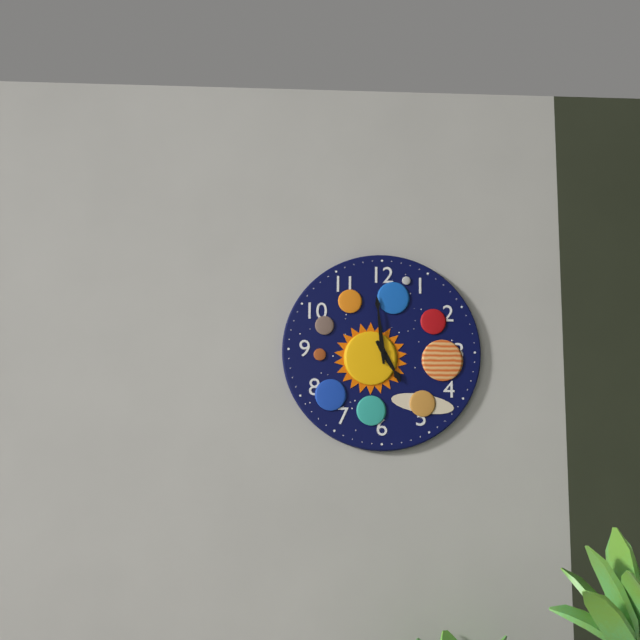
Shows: 4,59
